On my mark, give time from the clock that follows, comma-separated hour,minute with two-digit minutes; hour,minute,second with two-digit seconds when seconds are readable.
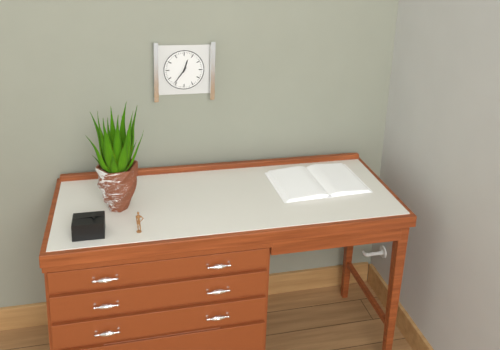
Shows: 12,36
